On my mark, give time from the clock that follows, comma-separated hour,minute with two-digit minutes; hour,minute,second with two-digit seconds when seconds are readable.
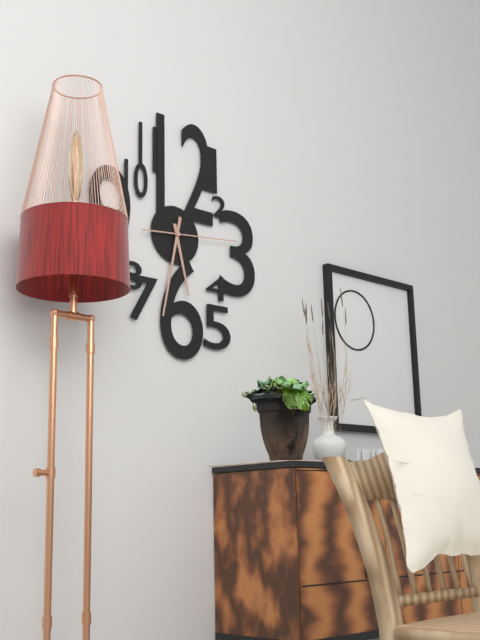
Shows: 5,32,14
